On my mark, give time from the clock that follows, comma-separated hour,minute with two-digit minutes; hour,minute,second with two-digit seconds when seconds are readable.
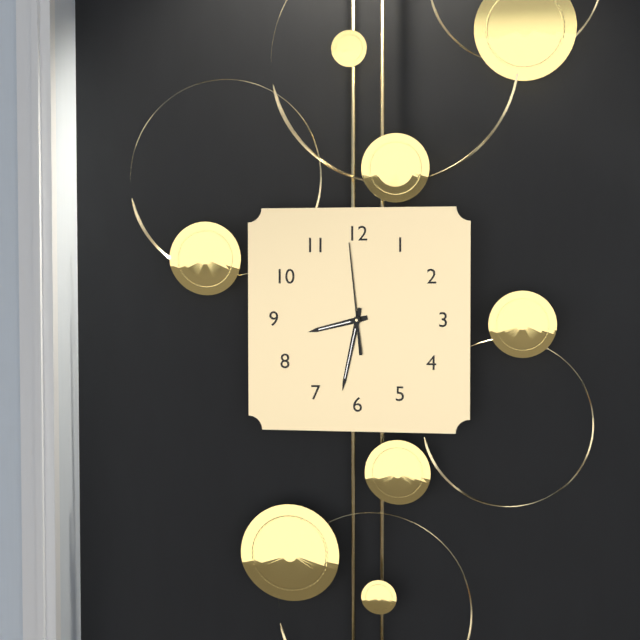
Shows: 8,32,59
